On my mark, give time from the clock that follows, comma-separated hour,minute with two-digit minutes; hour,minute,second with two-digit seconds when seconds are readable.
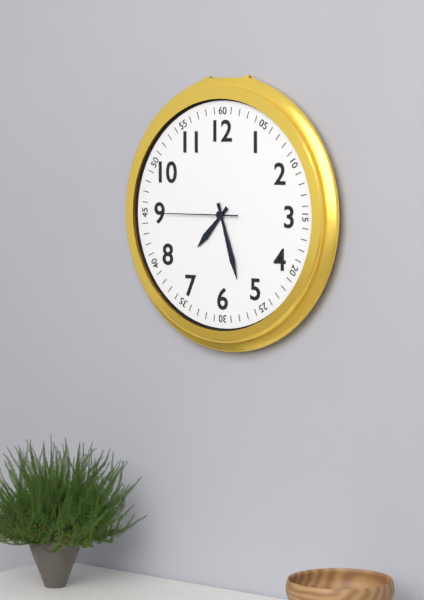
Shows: 7,27,45
